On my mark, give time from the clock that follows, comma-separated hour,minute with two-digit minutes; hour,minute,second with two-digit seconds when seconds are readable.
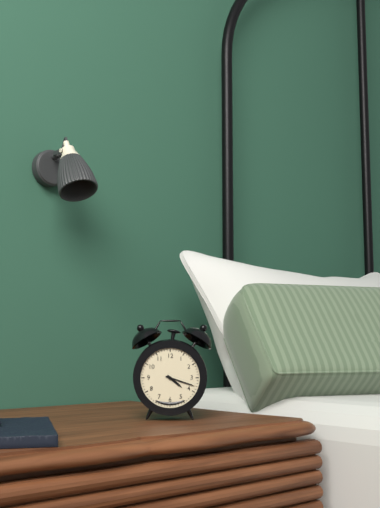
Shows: 4,18
